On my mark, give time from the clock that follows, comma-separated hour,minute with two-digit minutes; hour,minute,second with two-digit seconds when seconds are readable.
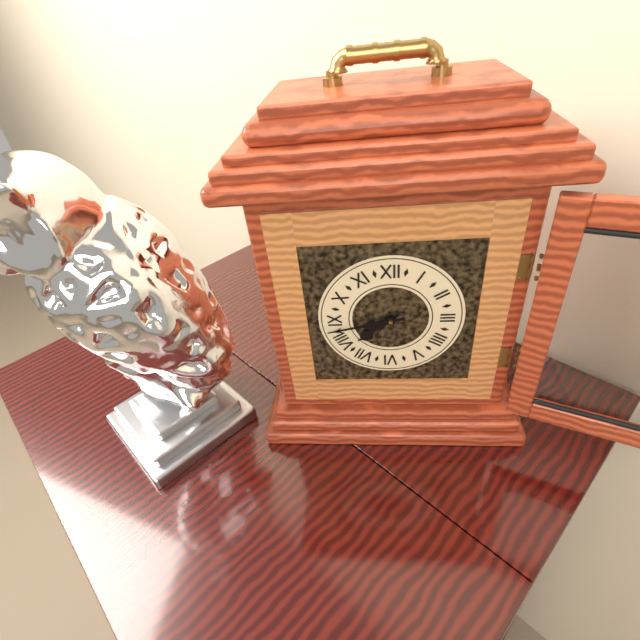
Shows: 7,43
